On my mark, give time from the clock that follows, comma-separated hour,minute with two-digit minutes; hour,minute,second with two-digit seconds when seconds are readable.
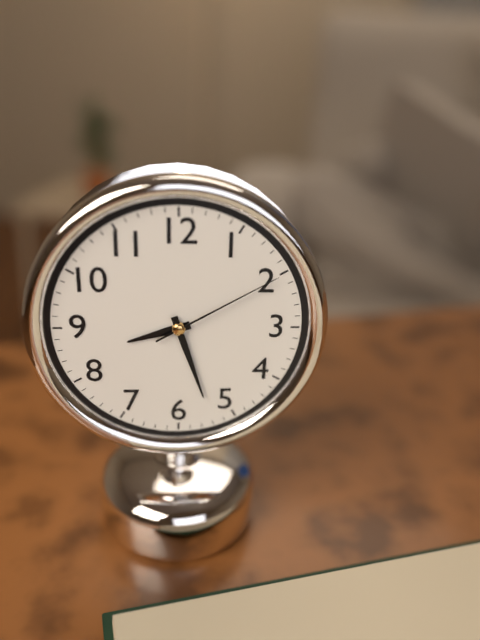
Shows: 8,27,10
